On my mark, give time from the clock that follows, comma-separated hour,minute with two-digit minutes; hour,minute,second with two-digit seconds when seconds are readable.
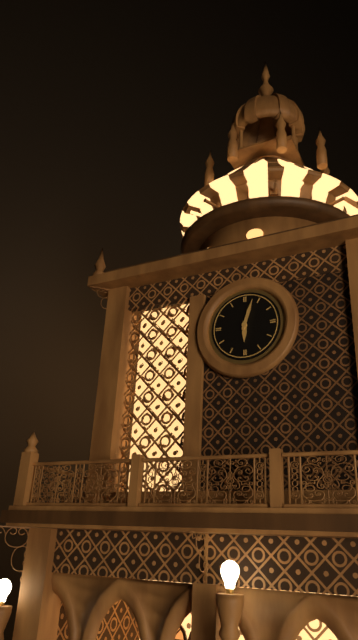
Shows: 6,03
